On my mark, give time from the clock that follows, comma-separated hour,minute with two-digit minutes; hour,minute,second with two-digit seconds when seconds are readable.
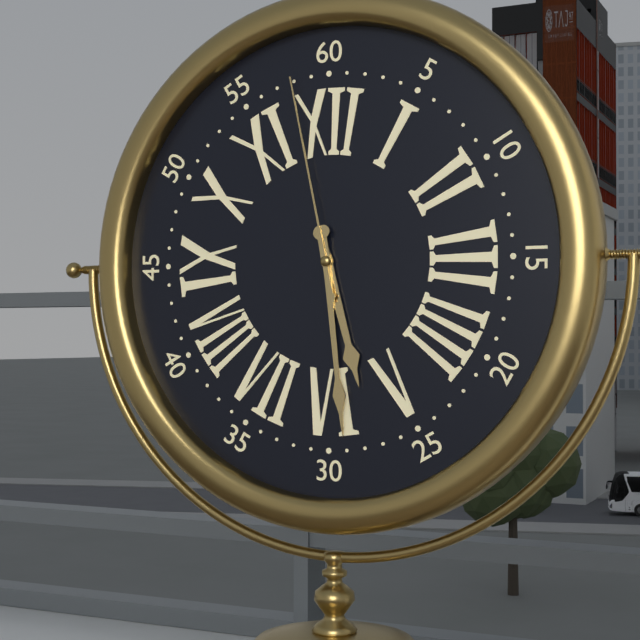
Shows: 5,29,58
